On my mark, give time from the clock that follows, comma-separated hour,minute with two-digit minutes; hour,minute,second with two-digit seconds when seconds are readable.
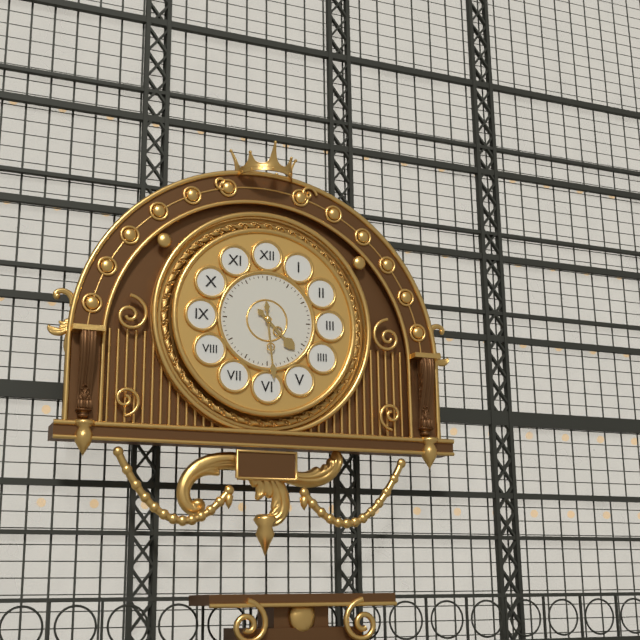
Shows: 4,29
